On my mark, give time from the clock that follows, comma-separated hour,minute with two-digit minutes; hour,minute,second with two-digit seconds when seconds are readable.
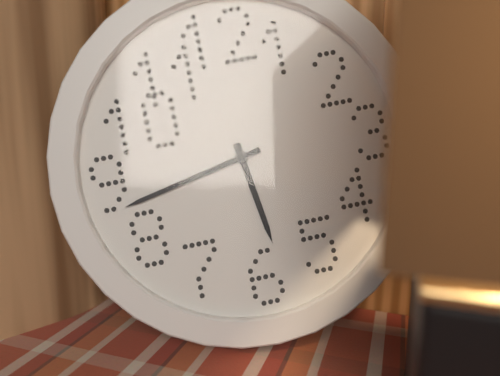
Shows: 5,43
